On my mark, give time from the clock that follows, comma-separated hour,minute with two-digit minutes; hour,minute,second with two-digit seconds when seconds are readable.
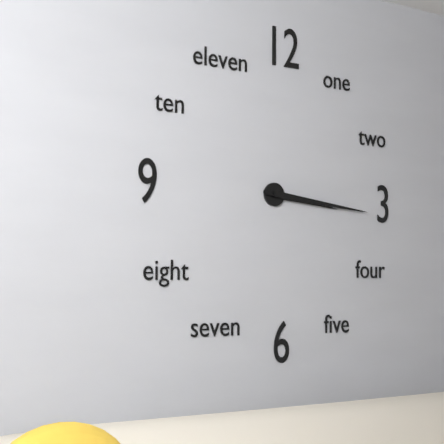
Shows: 3,16
